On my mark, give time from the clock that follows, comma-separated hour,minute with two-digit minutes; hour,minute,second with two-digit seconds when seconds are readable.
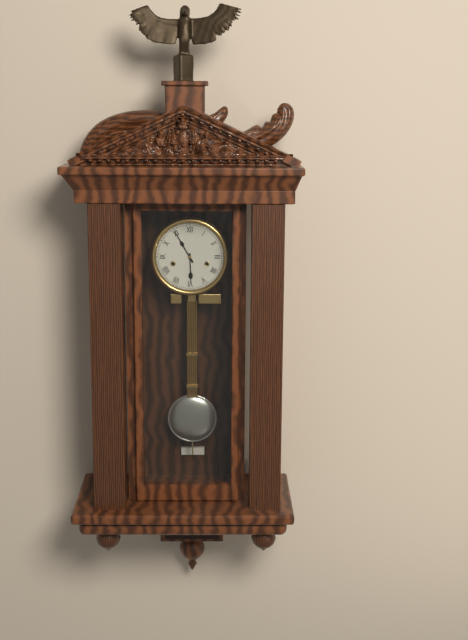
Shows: 5,55
